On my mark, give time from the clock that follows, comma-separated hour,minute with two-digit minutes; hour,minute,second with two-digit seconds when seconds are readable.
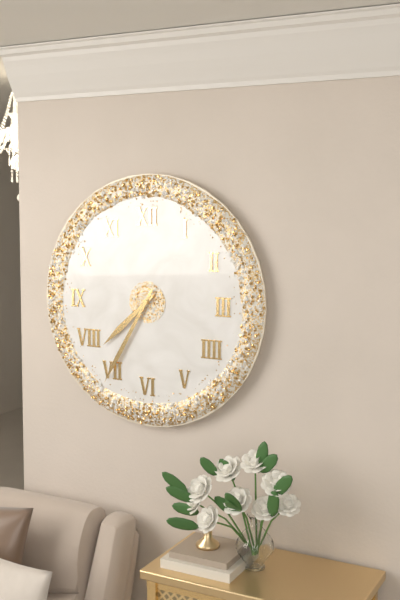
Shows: 7,35
